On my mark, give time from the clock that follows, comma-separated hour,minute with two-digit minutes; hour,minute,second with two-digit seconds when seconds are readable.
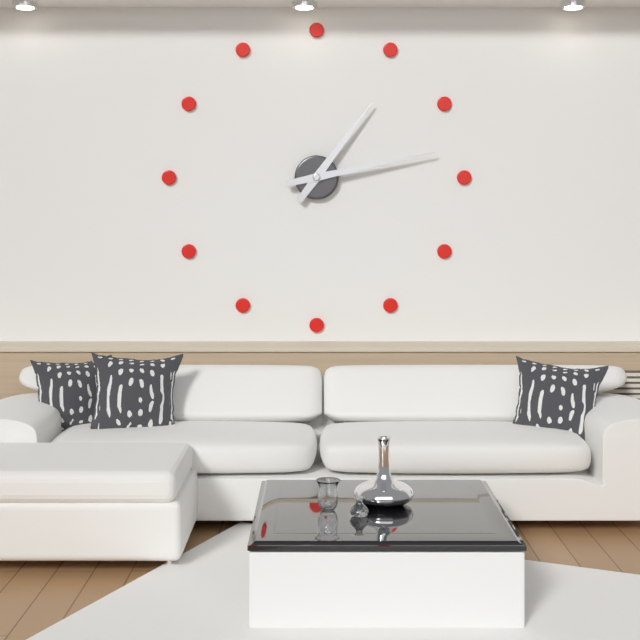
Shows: 1,13
